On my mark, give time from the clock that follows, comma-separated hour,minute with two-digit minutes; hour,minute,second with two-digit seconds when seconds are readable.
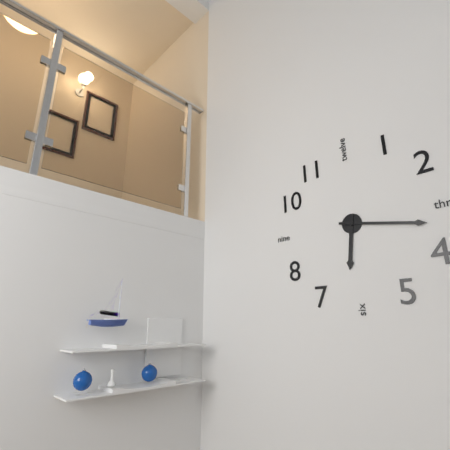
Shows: 6,17
